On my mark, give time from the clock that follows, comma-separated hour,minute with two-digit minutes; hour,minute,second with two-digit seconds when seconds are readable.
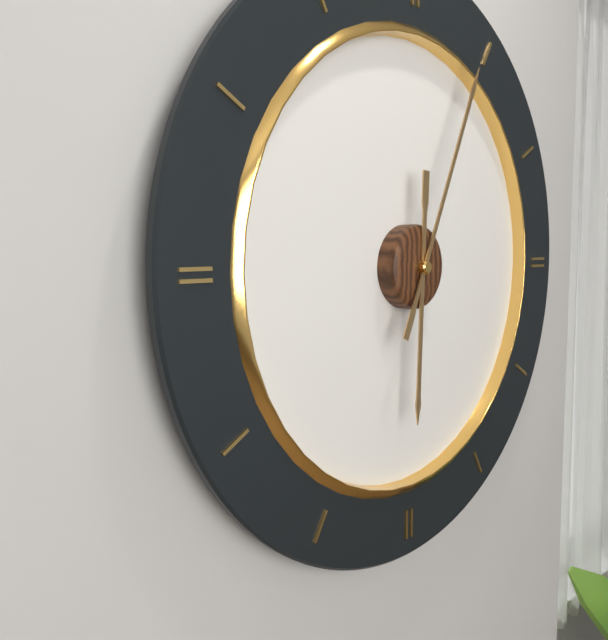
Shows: 6,04
